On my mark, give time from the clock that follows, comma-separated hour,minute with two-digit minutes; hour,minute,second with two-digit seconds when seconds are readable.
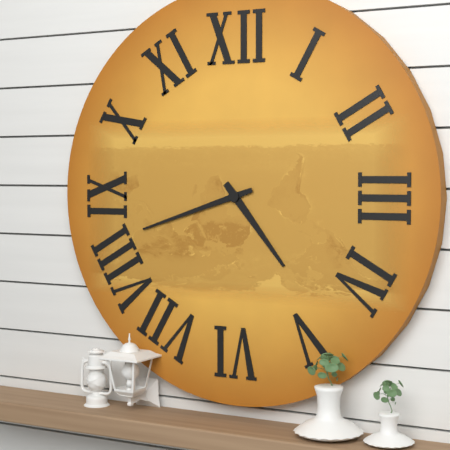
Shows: 4,42
